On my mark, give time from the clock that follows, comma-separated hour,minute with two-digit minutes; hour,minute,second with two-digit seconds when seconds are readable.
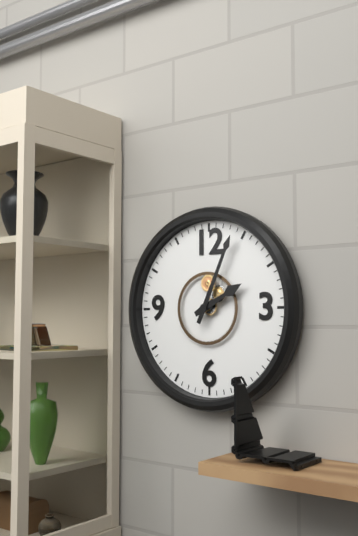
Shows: 2,04
